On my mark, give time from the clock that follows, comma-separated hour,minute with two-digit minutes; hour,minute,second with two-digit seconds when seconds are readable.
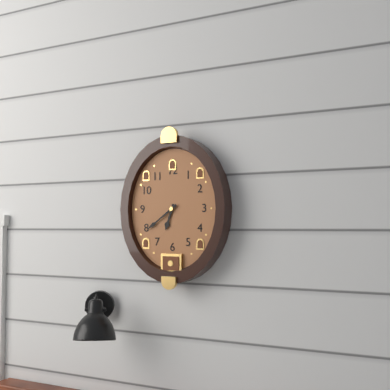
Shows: 6,39
